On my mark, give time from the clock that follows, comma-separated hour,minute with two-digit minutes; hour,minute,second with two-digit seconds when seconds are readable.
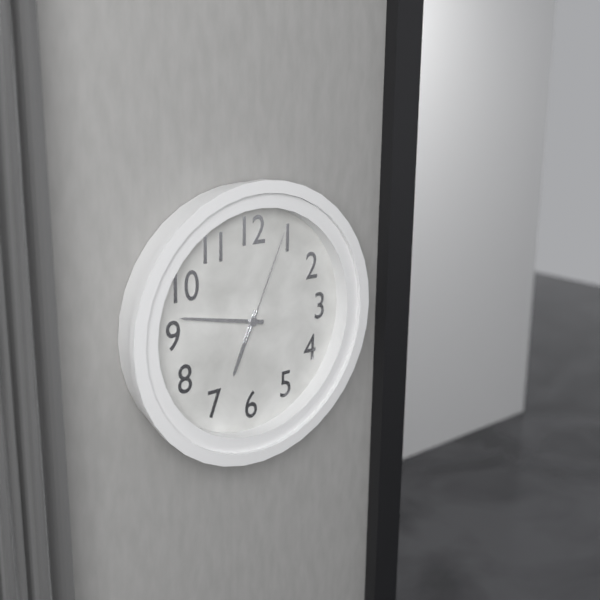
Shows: 6,47,04
